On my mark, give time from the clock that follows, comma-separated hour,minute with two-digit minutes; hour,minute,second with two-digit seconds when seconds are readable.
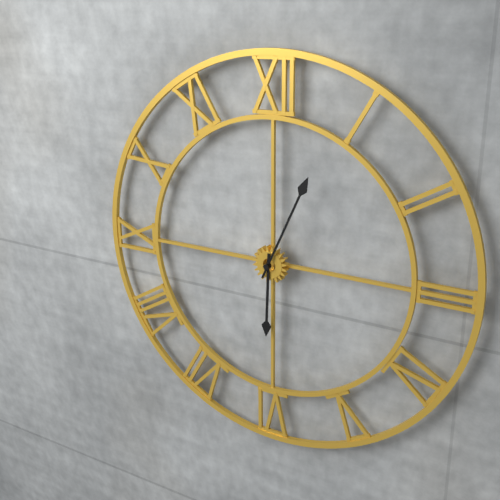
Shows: 6,04
